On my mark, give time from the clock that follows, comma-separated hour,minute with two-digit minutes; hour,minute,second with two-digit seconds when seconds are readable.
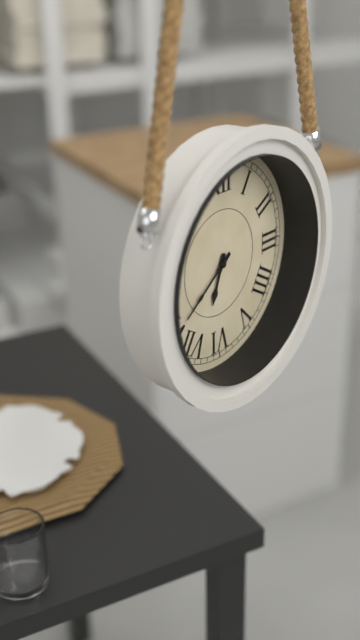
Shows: 6,39
